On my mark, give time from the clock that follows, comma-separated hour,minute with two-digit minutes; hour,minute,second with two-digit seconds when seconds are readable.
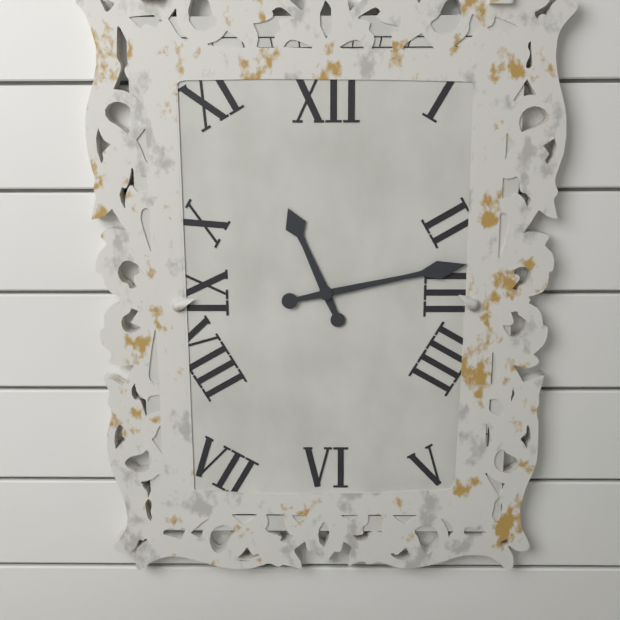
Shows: 11,13
